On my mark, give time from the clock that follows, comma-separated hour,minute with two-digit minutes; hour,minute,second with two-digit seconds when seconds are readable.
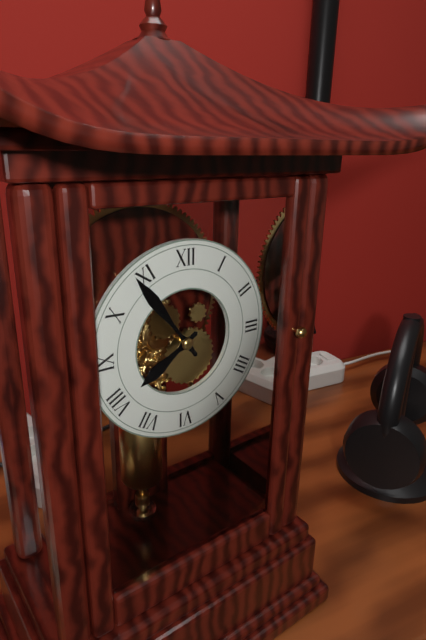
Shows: 7,54
